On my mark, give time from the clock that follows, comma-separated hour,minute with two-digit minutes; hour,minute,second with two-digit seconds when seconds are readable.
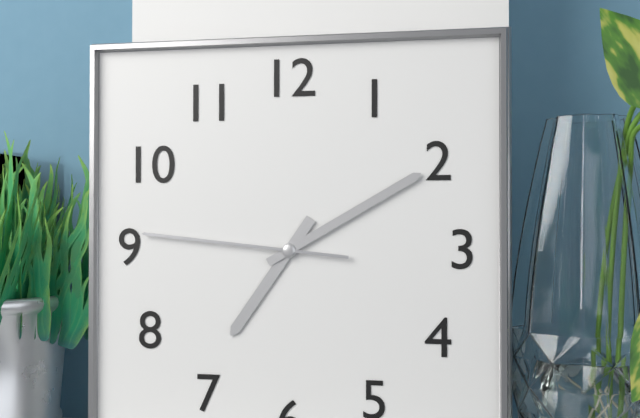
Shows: 7,10,46
